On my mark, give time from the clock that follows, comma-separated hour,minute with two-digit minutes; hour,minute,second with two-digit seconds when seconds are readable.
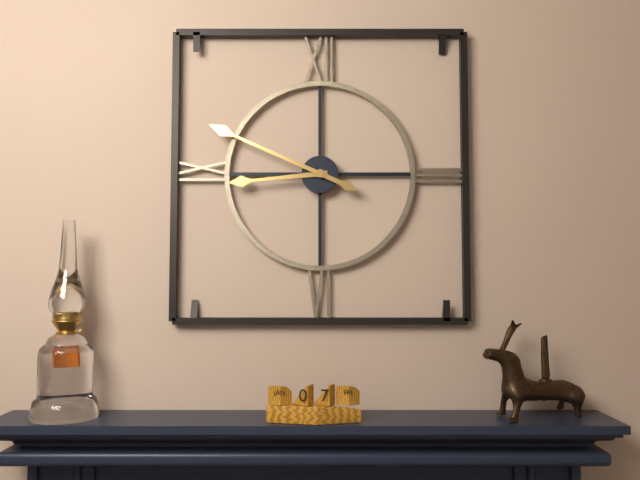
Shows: 8,49
